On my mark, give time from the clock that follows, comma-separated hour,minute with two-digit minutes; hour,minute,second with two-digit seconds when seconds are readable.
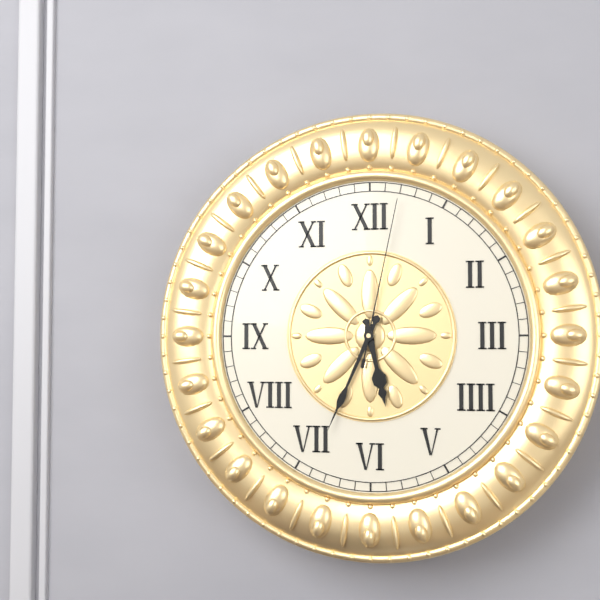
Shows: 5,34,02
